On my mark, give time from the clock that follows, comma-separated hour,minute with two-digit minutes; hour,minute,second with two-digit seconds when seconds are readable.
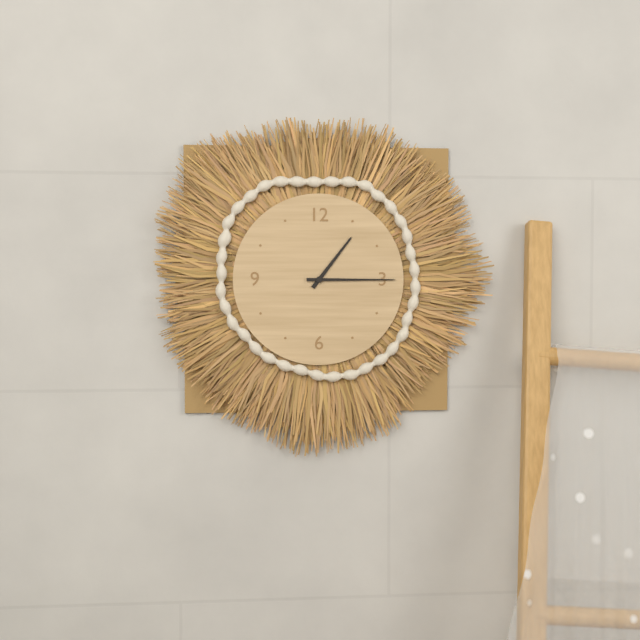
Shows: 1,15
